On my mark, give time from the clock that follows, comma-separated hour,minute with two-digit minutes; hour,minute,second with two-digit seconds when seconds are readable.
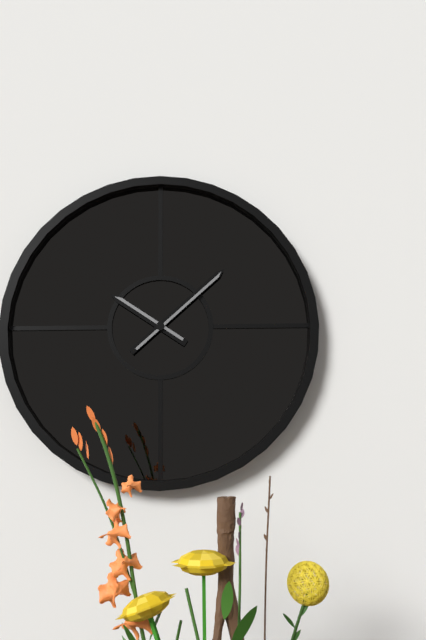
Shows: 10,08
